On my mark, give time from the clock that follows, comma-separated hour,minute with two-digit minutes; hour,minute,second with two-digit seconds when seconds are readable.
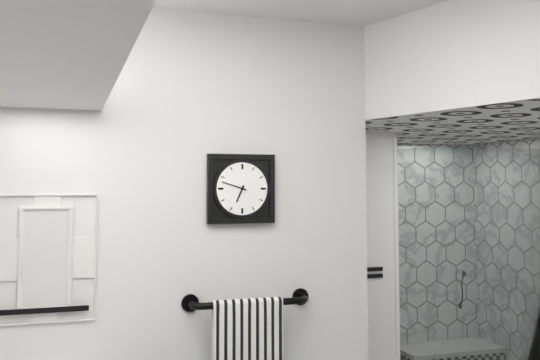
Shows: 6,48
